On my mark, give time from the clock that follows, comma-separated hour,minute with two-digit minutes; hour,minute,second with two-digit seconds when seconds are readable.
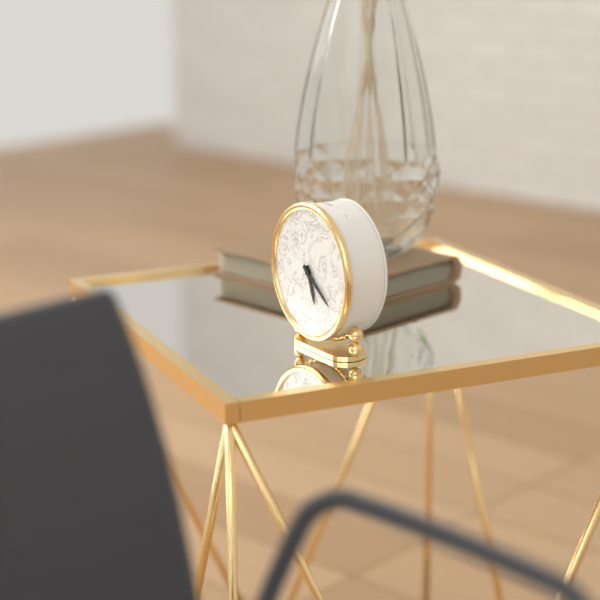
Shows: 5,21
